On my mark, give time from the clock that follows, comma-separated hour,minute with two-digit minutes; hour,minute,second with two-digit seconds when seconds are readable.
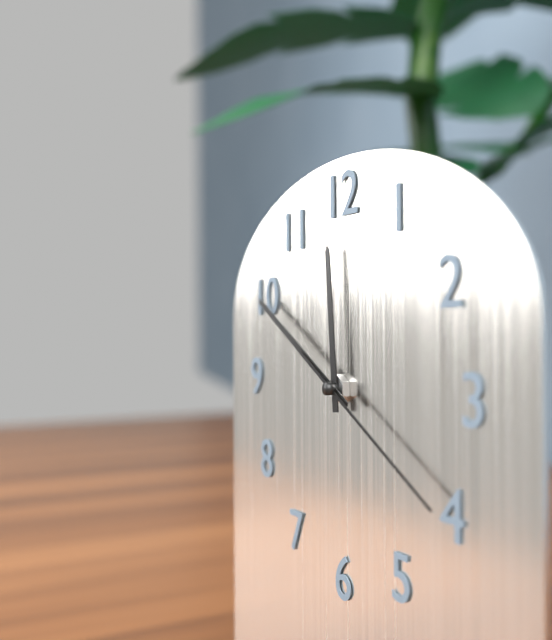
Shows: 11,50,20
